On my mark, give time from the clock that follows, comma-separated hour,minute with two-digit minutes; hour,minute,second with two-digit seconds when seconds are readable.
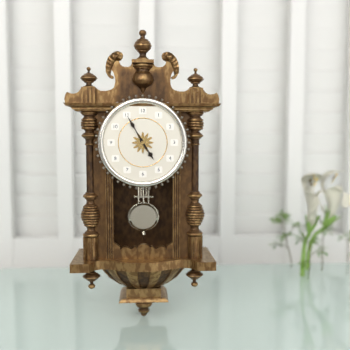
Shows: 4,55
